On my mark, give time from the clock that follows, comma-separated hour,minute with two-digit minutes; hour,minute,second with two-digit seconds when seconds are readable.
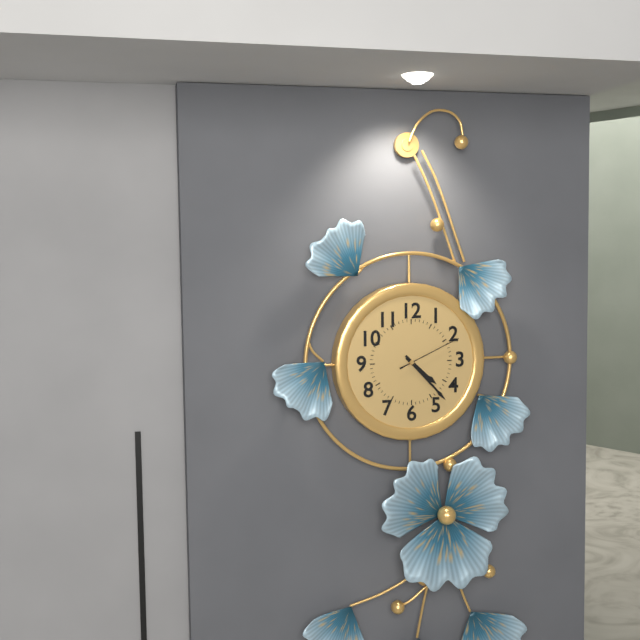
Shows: 4,23,11
